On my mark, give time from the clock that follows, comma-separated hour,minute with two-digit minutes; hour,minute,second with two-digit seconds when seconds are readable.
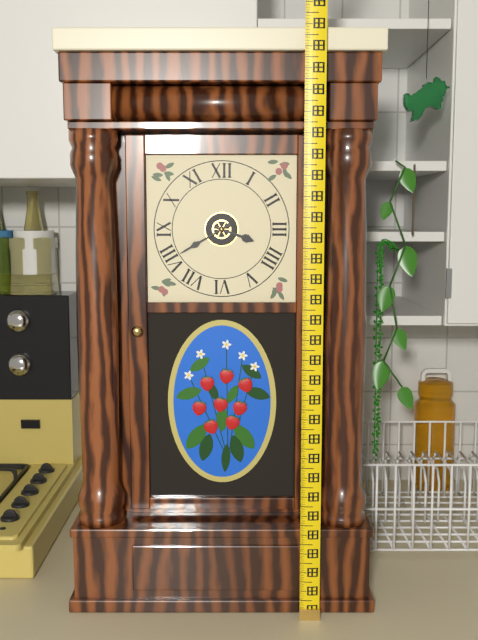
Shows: 3,40
